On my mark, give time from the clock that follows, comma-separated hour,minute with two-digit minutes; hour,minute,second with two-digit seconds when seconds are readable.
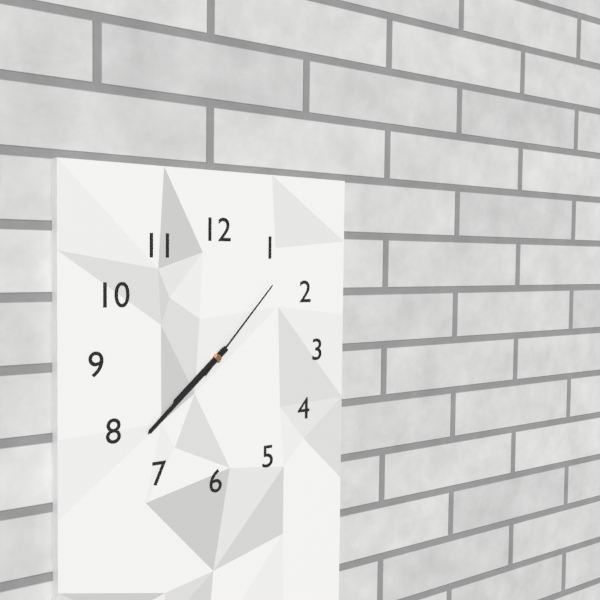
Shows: 7,38,07
